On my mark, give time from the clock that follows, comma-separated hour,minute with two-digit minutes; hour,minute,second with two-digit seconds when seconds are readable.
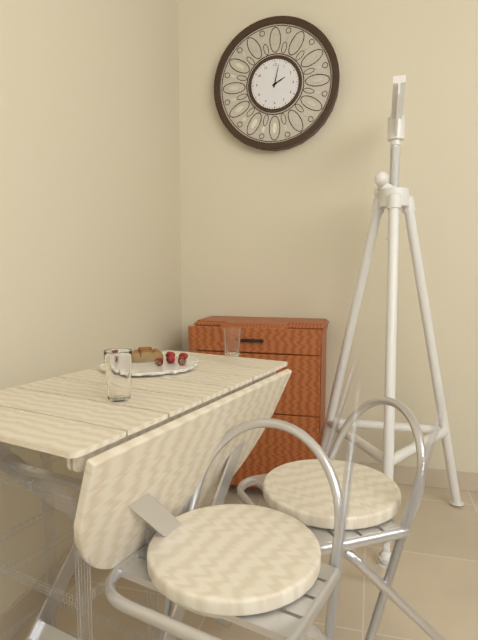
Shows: 2,02
